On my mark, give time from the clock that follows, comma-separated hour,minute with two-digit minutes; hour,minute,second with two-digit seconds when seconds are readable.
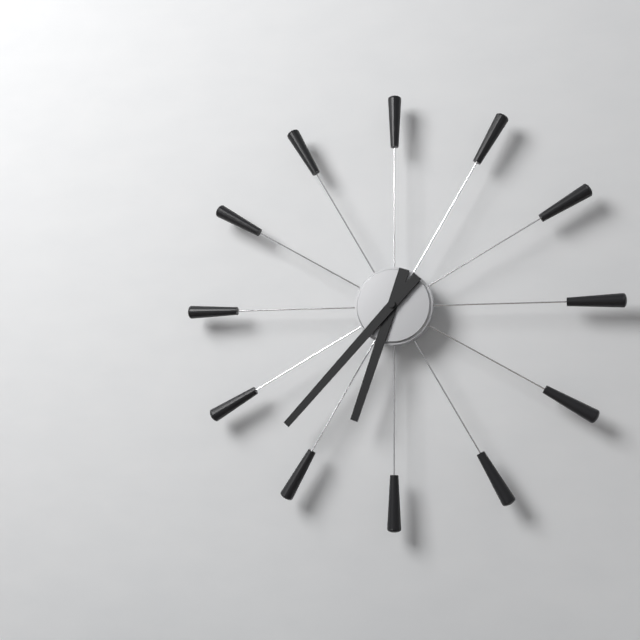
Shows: 6,37
